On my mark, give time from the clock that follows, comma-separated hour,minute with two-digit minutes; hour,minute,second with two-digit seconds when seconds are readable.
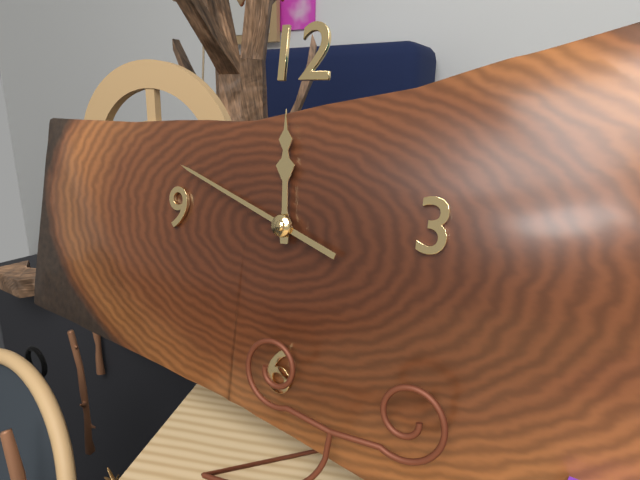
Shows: 11,48
